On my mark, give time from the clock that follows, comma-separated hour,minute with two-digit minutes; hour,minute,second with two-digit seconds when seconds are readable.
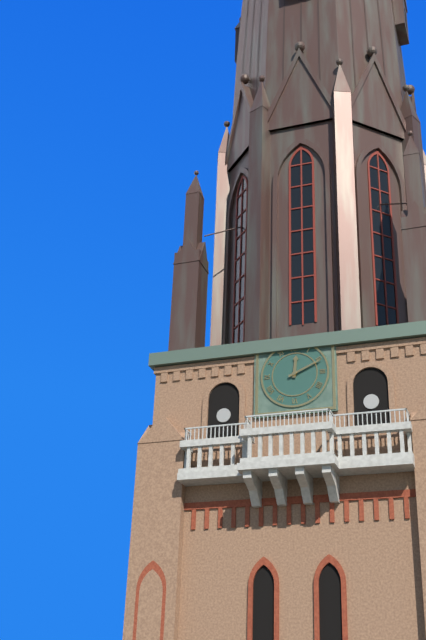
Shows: 12,11
